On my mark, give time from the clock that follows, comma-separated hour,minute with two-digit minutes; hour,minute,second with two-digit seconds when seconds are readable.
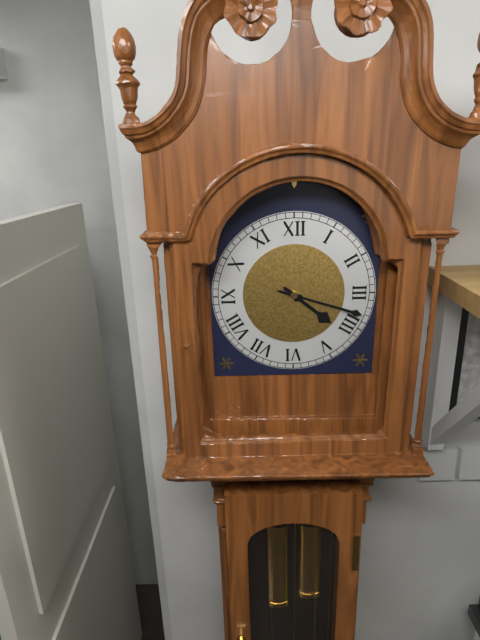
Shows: 4,18
